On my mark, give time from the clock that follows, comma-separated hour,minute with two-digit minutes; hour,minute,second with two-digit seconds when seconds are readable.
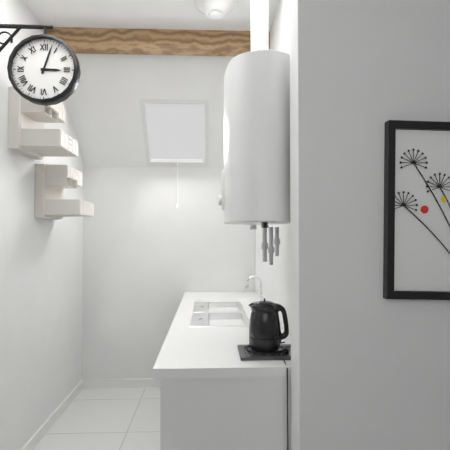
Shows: 3,03
